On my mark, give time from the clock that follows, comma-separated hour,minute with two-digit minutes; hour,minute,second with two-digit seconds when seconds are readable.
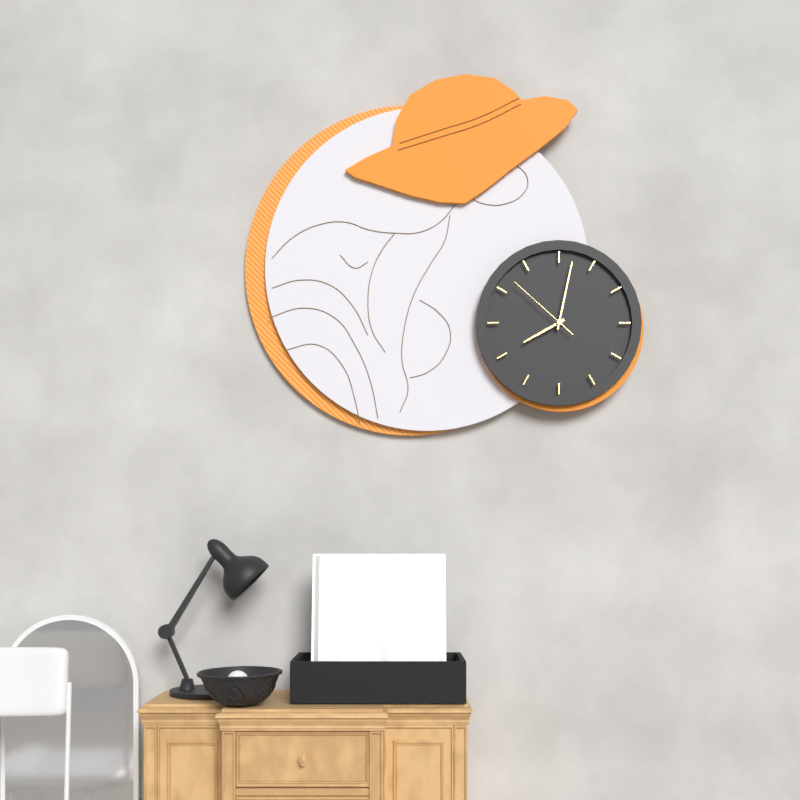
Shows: 8,02,52
